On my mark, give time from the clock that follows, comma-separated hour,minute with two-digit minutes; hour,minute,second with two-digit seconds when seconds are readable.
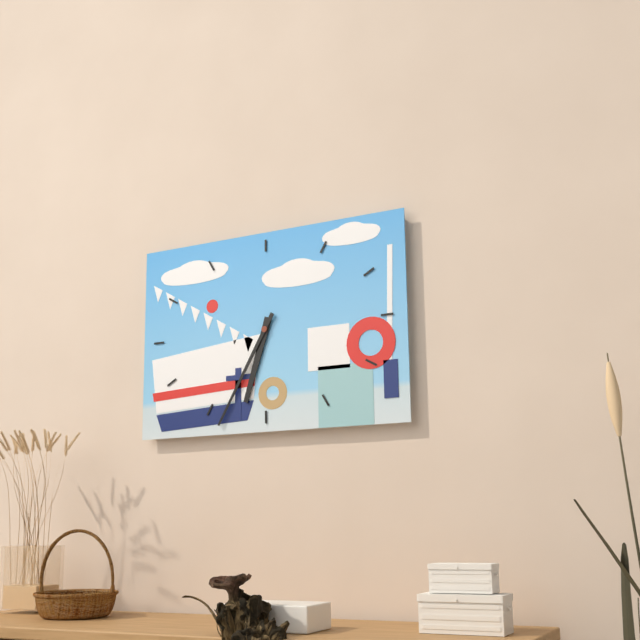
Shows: 6,35
